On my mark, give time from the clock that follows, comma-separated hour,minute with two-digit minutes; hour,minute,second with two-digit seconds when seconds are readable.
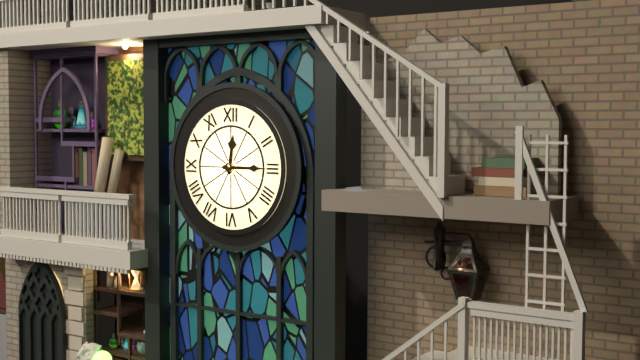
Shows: 12,15
